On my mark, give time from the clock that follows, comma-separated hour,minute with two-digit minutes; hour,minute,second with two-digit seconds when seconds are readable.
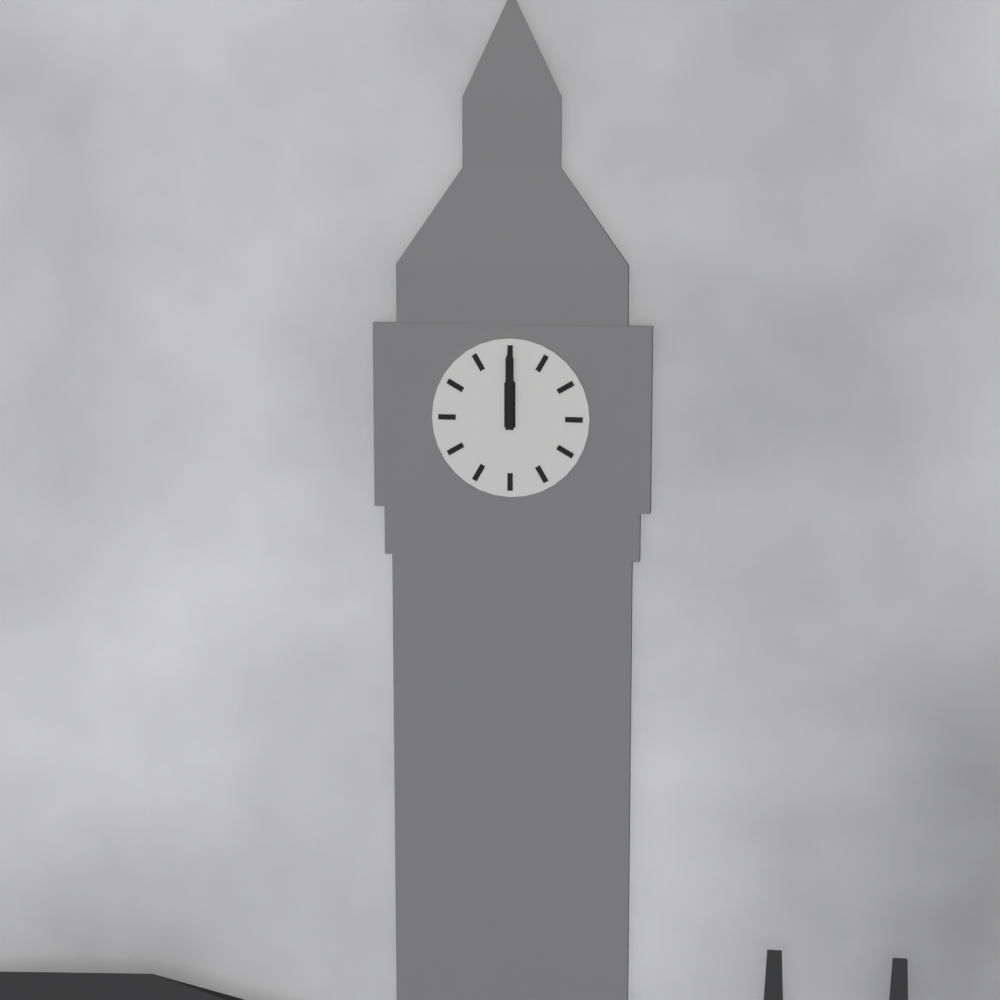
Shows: 12,00
